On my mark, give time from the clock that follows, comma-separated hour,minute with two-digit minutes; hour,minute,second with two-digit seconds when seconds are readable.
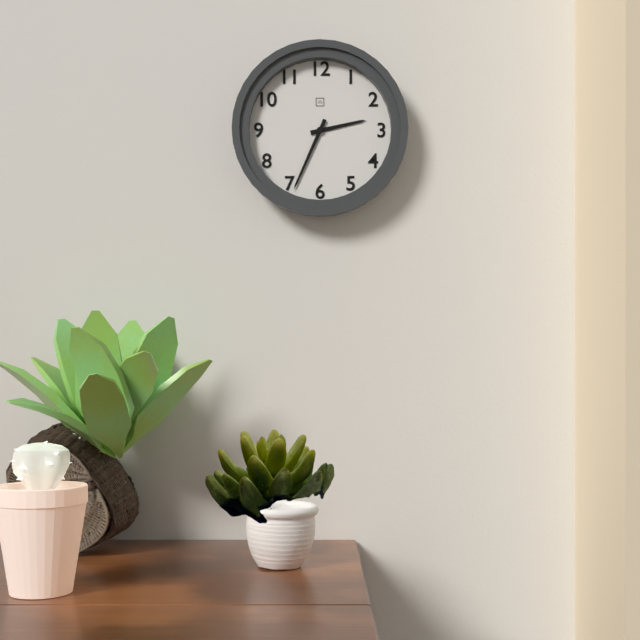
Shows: 2,34
